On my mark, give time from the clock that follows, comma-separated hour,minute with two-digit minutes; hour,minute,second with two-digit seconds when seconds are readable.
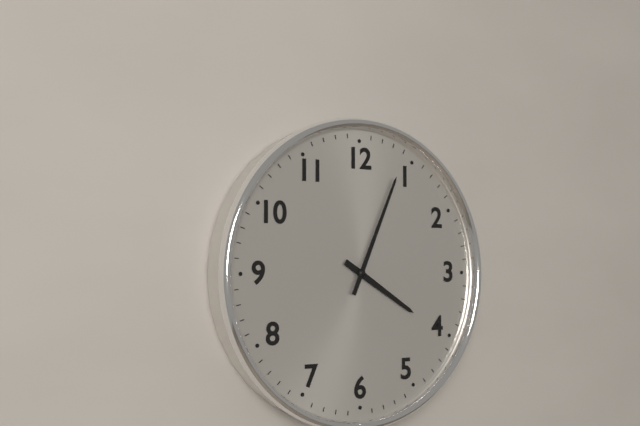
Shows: 4,04
